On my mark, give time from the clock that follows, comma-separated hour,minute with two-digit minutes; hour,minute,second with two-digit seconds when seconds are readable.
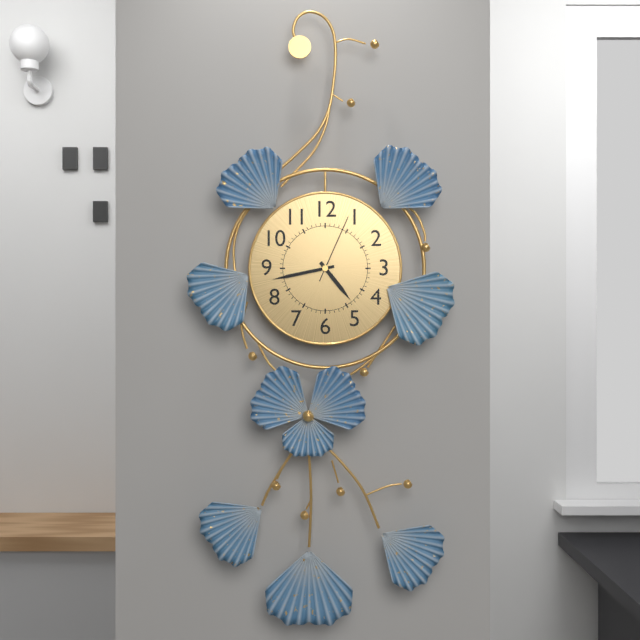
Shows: 4,43,04
